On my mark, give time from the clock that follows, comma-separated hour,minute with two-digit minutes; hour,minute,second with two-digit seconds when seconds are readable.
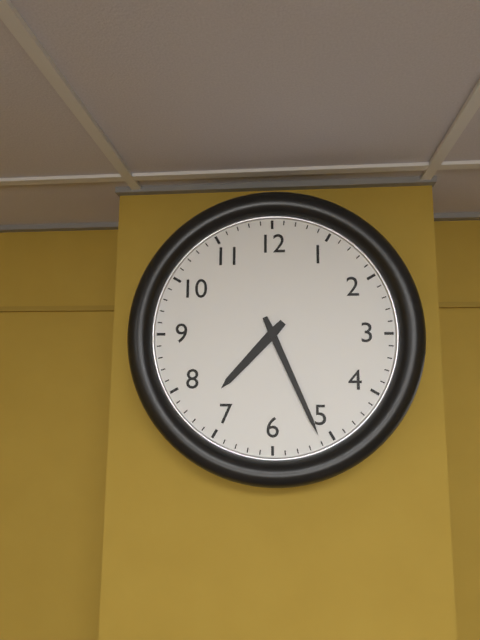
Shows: 7,26
